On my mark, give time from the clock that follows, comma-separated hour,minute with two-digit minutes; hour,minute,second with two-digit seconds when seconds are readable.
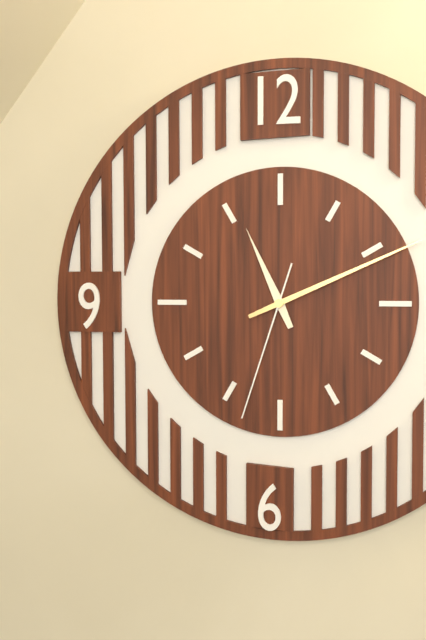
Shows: 11,11,33
